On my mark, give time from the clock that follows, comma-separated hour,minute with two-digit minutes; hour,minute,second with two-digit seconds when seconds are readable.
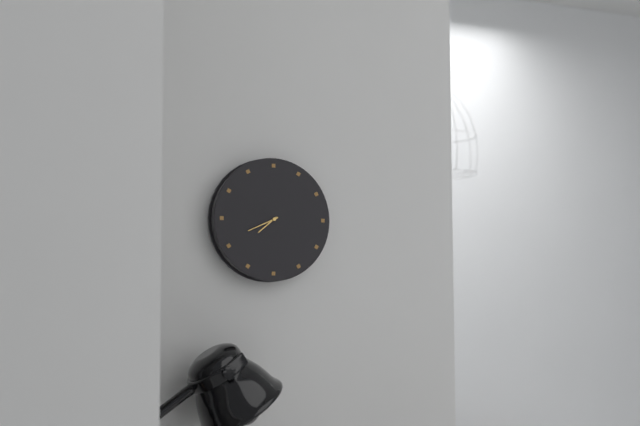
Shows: 7,41
